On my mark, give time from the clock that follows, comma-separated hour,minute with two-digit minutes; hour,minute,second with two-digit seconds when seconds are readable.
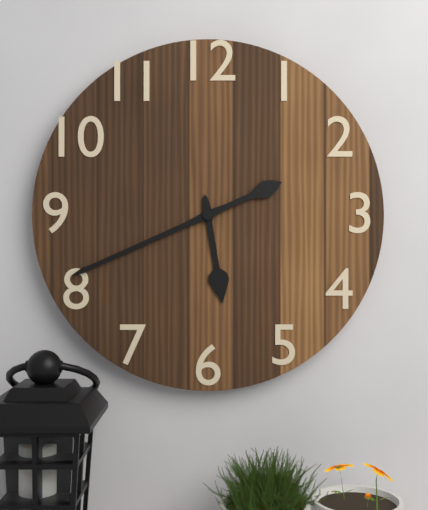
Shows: 5,41
